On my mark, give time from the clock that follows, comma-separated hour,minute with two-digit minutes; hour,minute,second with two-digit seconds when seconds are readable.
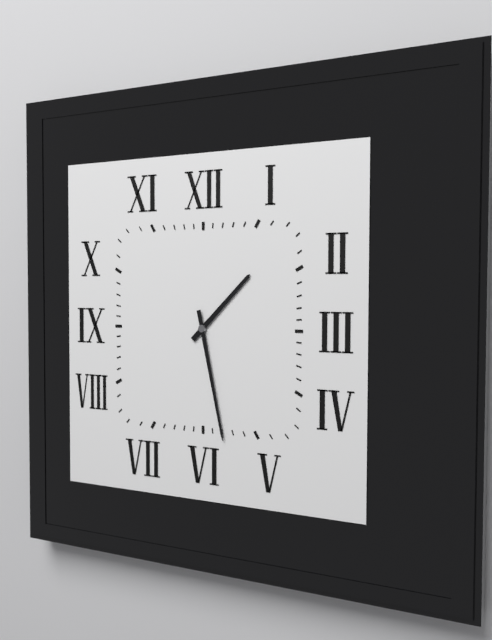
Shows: 1,28
